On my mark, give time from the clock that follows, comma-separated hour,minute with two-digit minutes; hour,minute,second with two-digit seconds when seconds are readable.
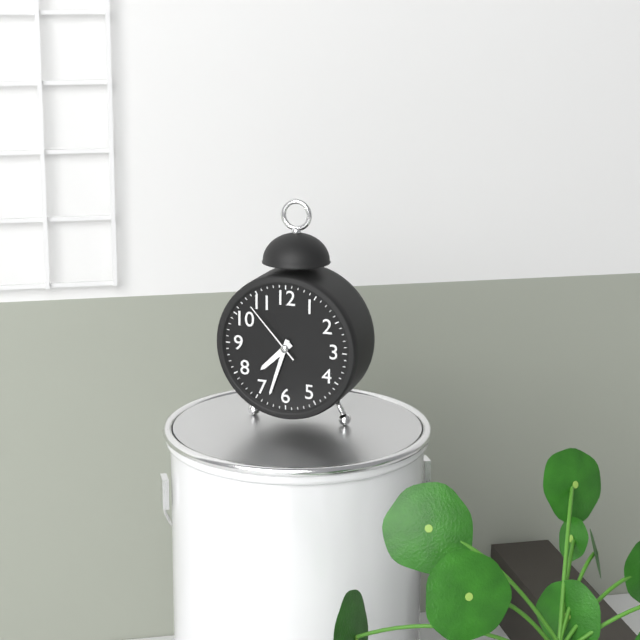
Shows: 7,33,53
